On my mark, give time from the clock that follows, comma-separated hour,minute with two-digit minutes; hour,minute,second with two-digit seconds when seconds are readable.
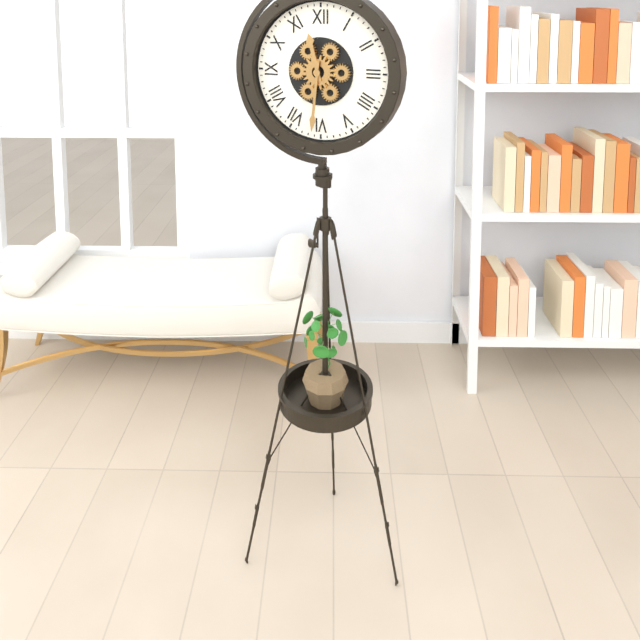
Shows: 11,31
